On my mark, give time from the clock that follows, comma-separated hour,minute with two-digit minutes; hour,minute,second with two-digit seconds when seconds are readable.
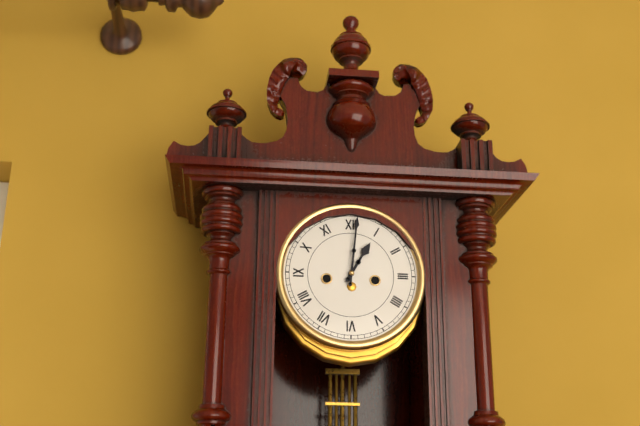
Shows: 1,01
